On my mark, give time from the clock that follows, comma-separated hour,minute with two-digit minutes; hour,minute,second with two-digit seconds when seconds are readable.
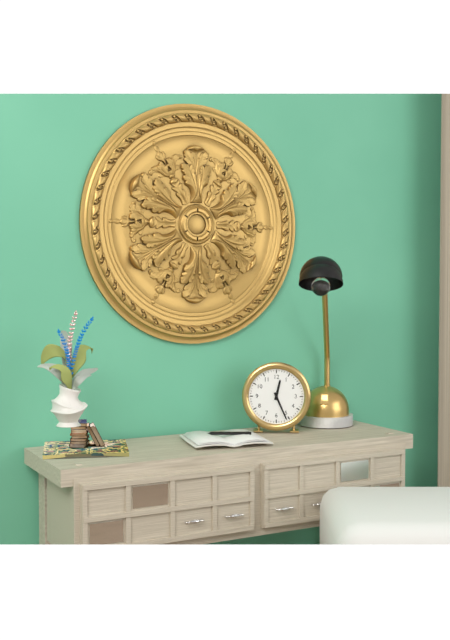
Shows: 12,26
